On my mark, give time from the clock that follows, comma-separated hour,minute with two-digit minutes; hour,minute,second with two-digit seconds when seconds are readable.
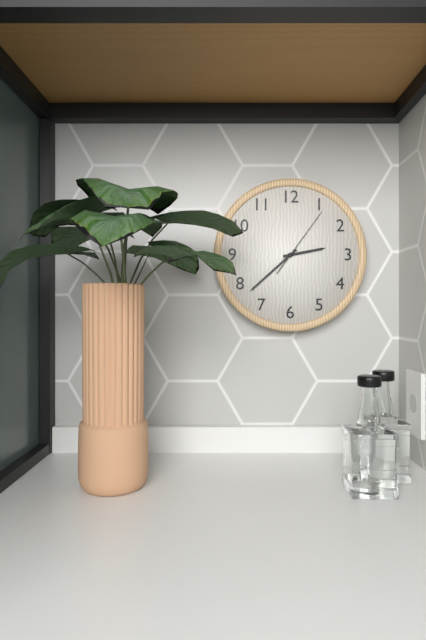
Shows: 2,38,06
